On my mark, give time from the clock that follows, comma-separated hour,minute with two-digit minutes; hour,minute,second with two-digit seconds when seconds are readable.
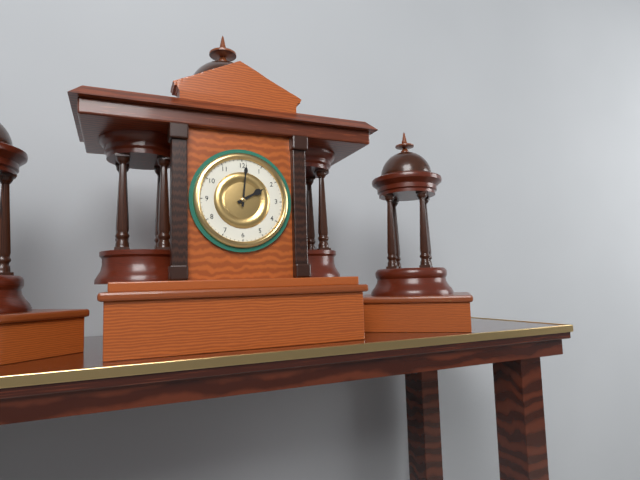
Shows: 2,01
